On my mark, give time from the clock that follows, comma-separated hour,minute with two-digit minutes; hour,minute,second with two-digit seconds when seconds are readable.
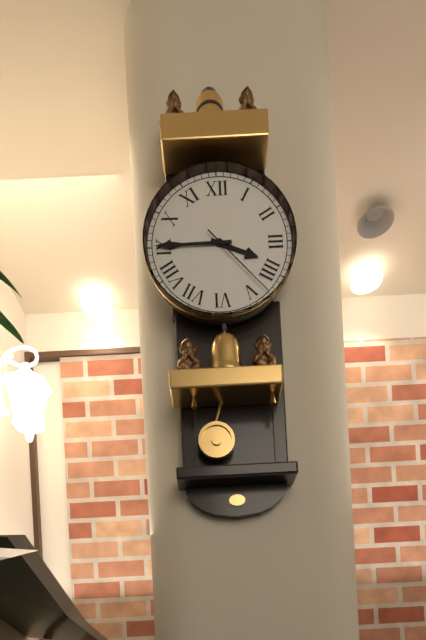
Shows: 3,45,23
